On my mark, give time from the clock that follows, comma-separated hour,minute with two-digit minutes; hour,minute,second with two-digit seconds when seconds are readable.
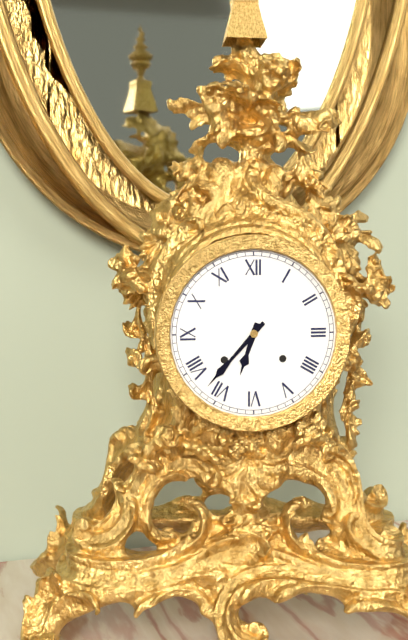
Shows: 6,37
